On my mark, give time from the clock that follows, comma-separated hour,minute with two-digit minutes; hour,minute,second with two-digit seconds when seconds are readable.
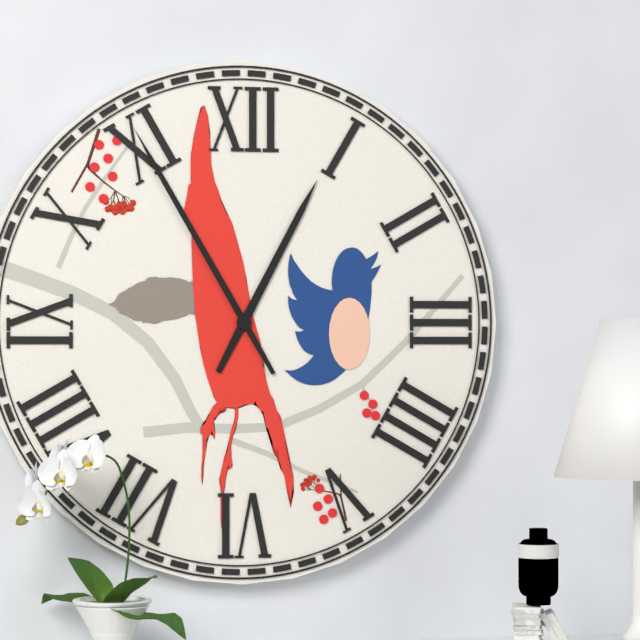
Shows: 12,55
